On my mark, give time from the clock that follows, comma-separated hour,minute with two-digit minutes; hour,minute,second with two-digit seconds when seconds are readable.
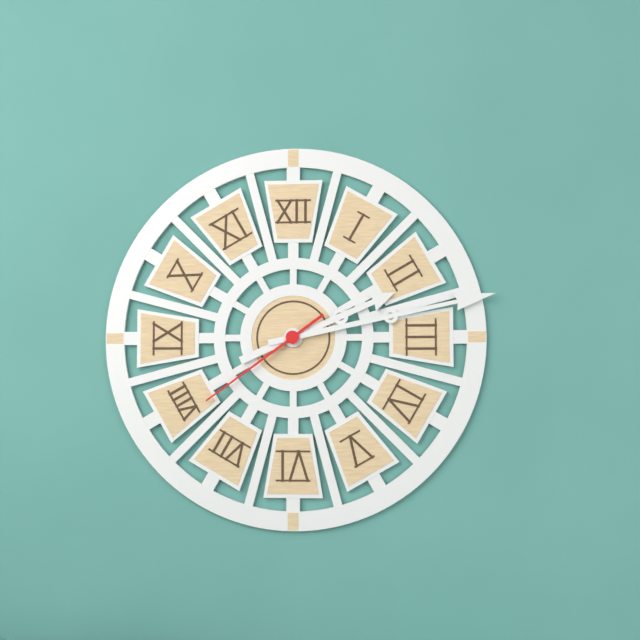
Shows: 2,13,39
